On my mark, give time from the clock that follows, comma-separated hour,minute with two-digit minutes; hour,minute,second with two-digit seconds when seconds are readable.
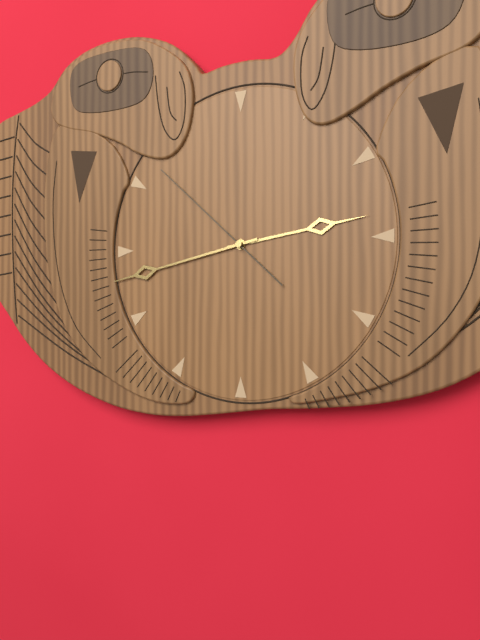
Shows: 2,43,52
